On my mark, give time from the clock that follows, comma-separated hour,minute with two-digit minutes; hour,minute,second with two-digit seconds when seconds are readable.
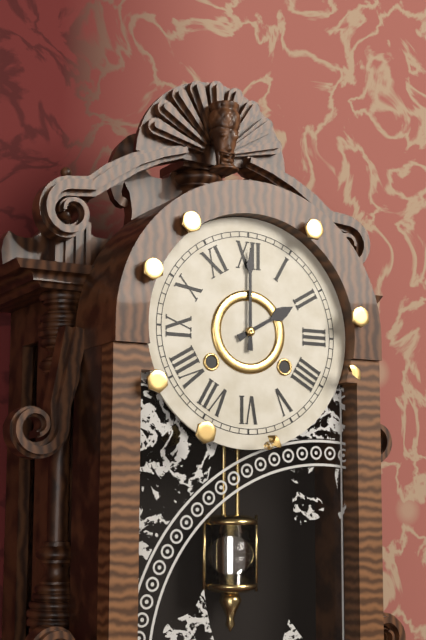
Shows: 2,00
